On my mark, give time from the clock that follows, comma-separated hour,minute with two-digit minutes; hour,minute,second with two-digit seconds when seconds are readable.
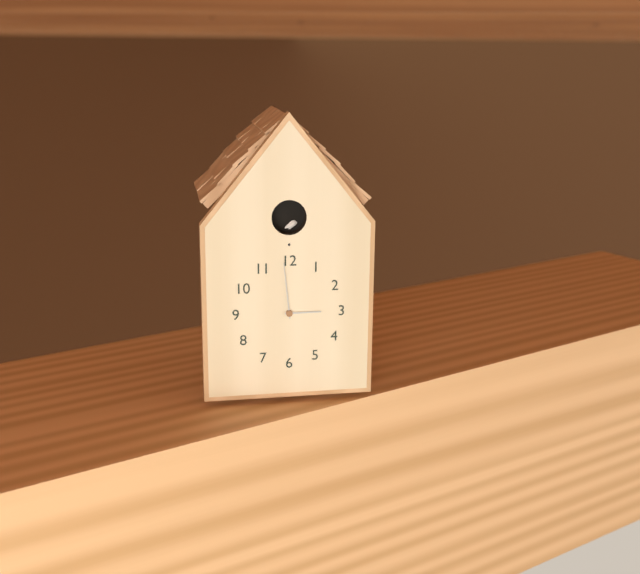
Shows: 2,59
